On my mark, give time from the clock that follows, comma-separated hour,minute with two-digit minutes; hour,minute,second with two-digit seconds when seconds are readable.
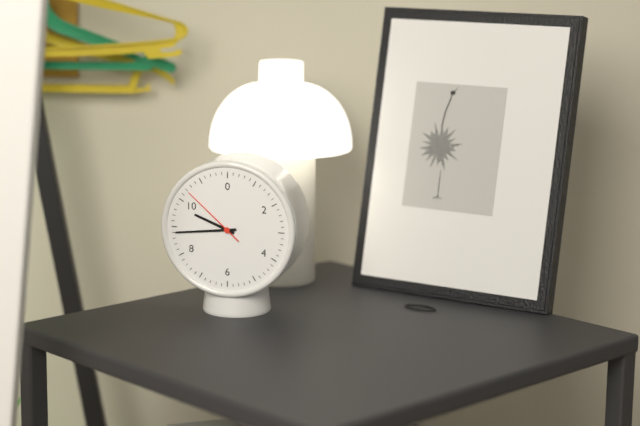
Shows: 9,44,52
